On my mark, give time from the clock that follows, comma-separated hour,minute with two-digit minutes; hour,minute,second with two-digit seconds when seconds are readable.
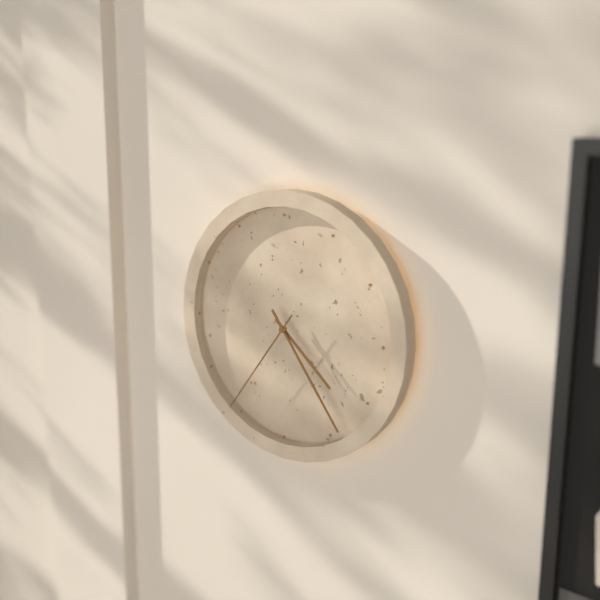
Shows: 4,24,36
